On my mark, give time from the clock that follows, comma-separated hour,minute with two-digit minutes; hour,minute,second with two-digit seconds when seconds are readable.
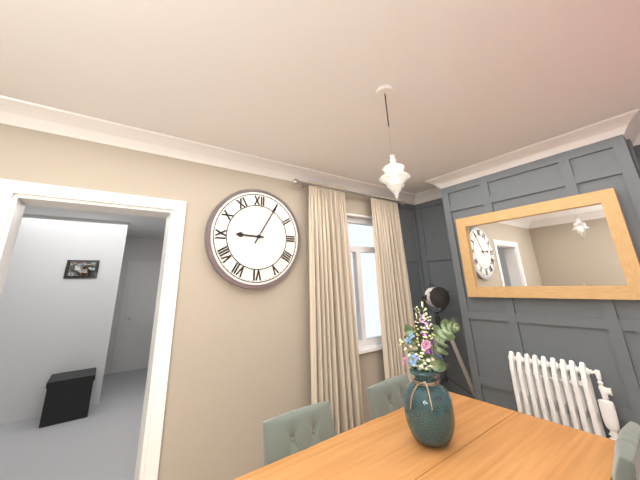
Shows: 9,05
